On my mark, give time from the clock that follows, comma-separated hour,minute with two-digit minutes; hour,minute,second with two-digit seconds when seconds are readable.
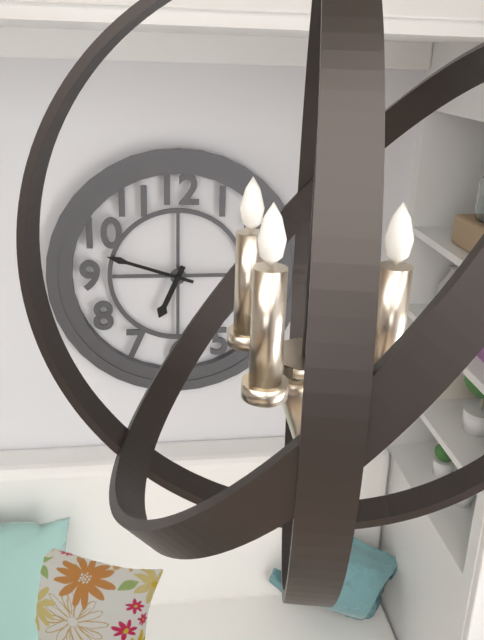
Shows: 6,48
